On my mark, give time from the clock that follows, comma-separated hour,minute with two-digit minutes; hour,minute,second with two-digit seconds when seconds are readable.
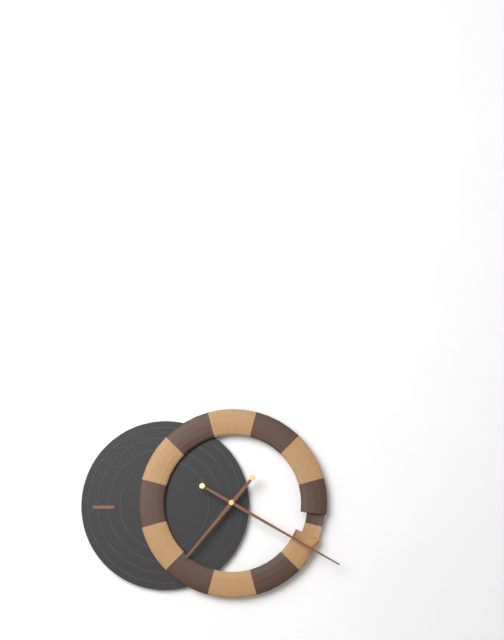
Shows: 7,20
